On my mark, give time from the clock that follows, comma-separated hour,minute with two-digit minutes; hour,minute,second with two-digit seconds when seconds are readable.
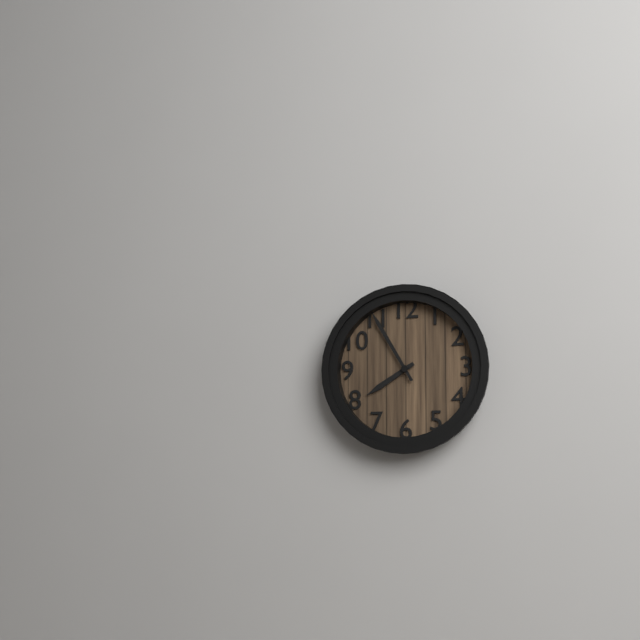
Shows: 7,55
